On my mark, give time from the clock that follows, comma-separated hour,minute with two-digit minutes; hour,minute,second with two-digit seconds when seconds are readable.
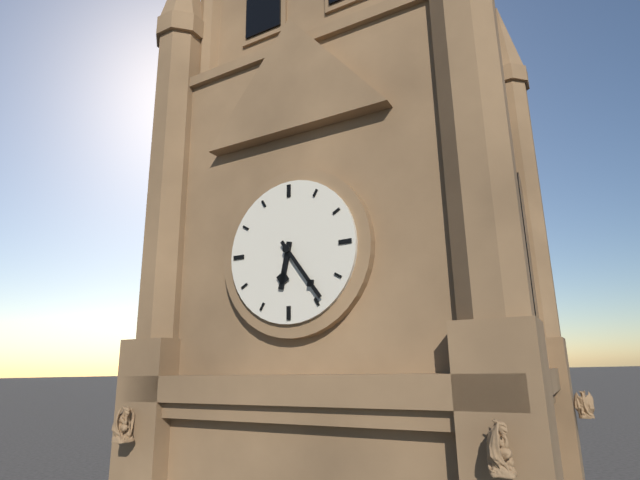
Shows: 6,24
